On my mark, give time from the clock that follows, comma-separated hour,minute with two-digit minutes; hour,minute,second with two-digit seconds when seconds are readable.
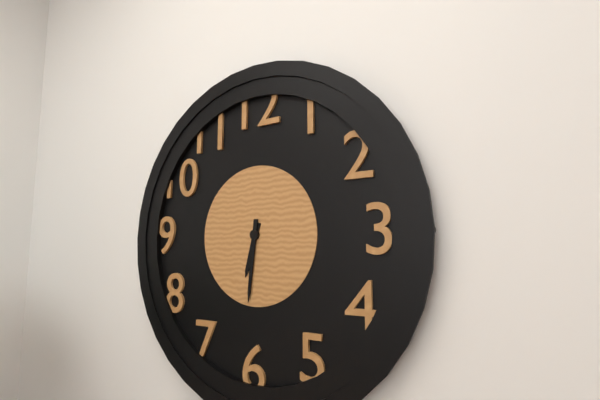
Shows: 6,31
